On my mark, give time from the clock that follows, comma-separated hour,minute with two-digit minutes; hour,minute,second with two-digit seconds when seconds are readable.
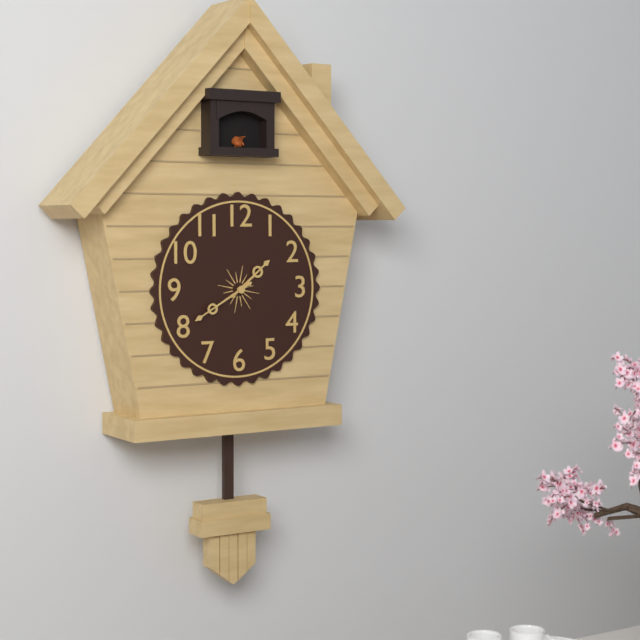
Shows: 1,40
